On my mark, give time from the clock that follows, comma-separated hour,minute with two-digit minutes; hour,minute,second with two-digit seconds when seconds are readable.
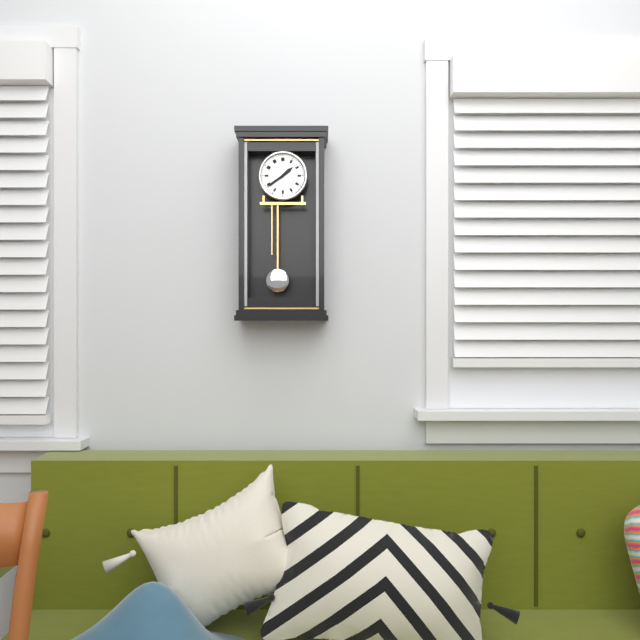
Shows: 1,39
